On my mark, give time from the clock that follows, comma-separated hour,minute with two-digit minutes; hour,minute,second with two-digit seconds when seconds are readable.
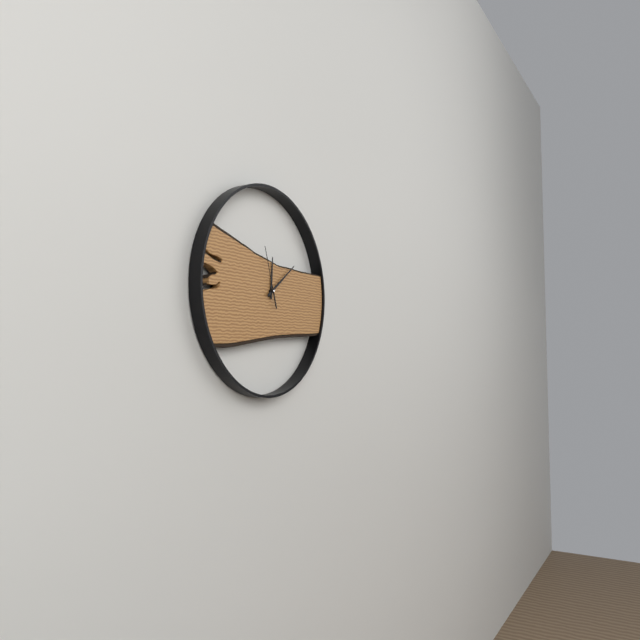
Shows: 12,09,57
